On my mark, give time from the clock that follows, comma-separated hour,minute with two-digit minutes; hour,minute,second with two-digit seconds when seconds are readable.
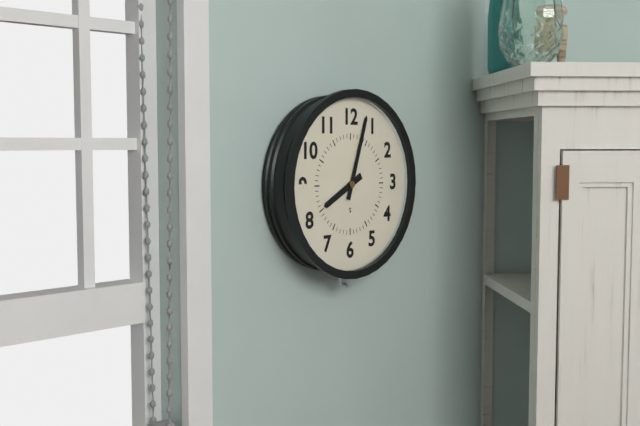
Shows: 8,03
